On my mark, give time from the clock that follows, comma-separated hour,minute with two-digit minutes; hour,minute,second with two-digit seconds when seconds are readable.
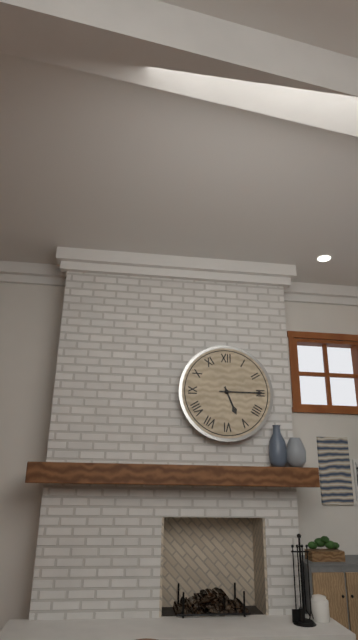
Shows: 5,15
